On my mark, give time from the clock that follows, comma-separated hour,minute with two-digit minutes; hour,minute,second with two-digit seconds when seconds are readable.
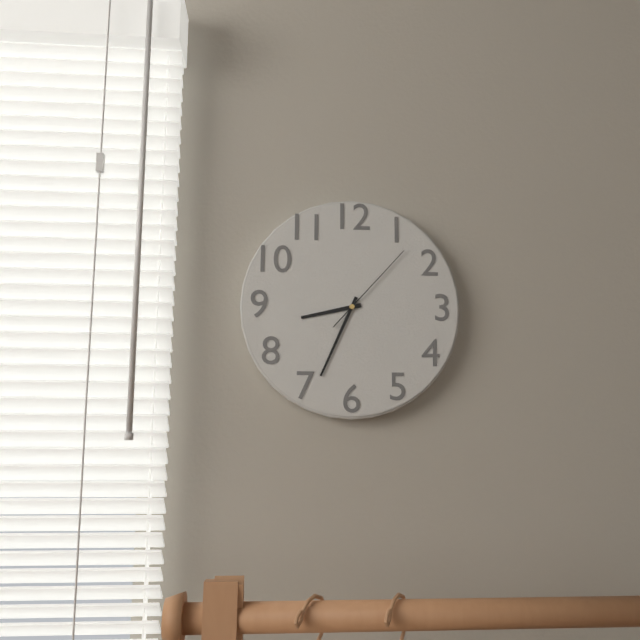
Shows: 8,34,07
